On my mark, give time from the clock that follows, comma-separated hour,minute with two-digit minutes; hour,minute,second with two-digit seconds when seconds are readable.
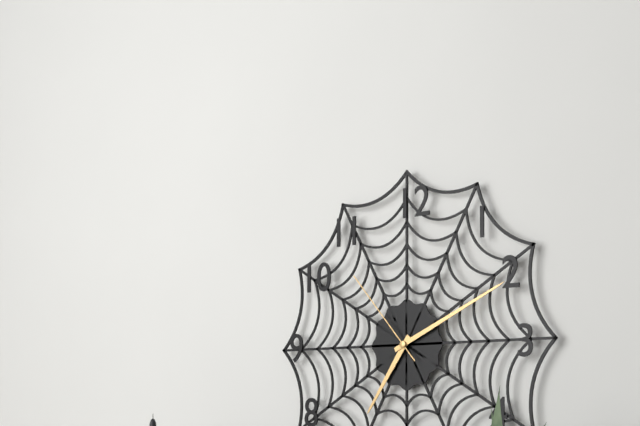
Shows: 7,11,53
